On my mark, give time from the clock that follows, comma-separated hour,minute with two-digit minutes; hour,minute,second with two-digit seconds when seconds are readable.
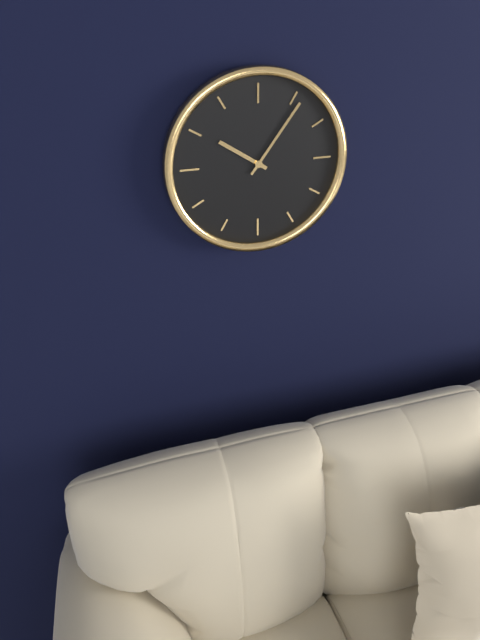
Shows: 10,06
